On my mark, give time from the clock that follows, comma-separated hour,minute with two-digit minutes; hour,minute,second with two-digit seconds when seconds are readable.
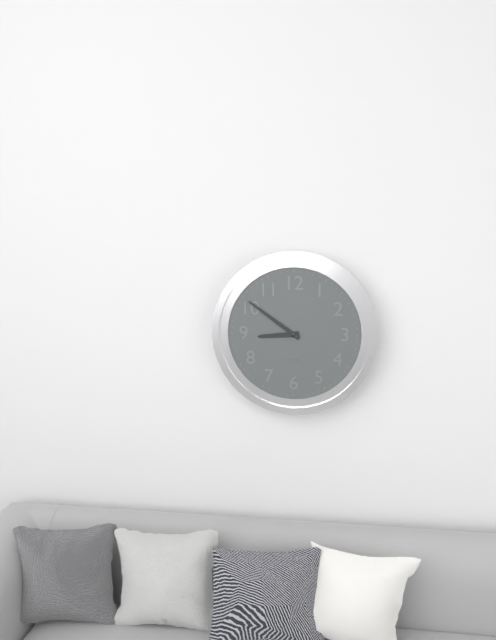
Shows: 8,51
